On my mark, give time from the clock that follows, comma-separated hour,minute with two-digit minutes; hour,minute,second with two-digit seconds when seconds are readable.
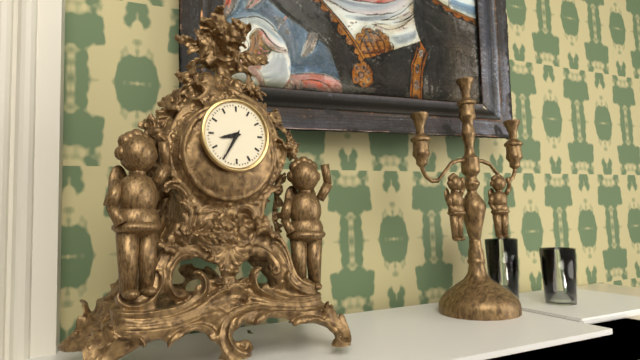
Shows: 8,35
